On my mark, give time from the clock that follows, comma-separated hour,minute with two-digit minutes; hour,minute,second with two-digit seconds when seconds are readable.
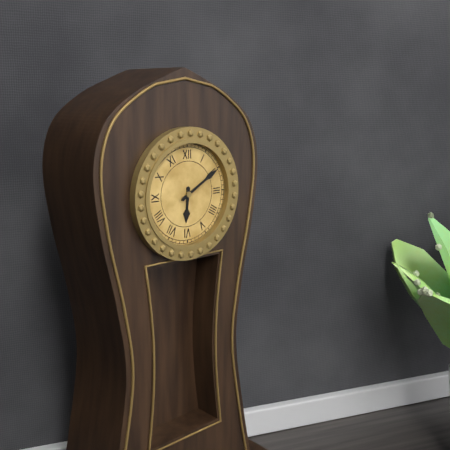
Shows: 6,10
